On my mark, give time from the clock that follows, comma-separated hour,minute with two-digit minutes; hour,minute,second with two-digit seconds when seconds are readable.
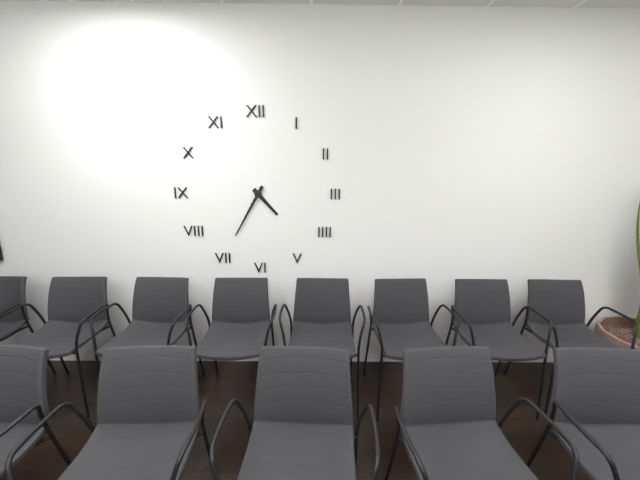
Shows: 4,35
